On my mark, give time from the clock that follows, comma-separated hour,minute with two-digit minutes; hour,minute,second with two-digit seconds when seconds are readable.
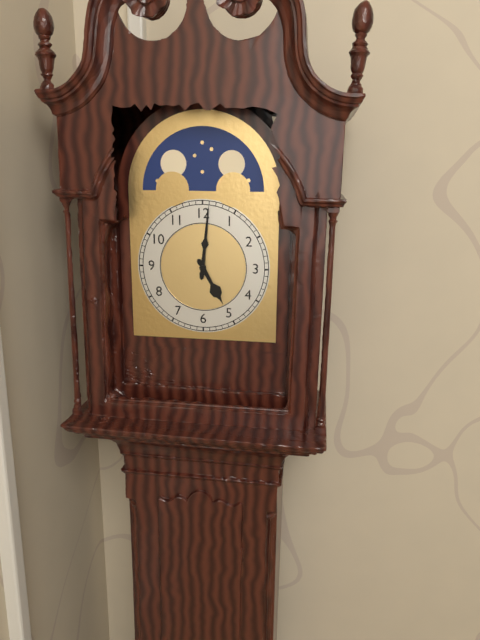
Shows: 5,01
